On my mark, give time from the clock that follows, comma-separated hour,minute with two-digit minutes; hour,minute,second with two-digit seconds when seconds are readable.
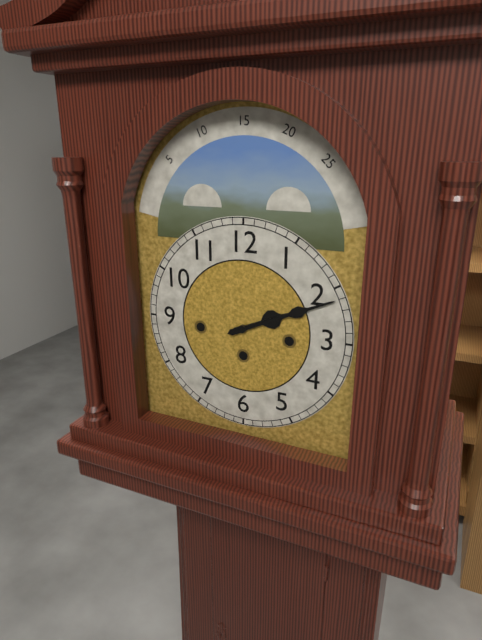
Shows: 2,11
